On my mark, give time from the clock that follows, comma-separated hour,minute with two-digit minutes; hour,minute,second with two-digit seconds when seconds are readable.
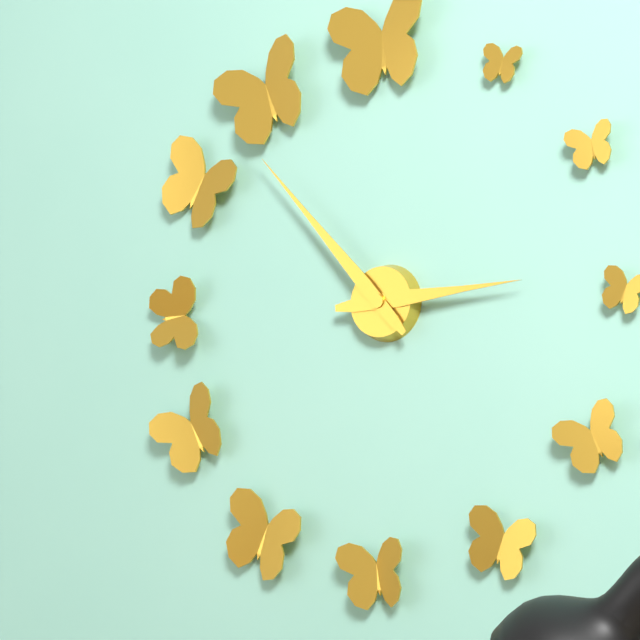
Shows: 2,53
